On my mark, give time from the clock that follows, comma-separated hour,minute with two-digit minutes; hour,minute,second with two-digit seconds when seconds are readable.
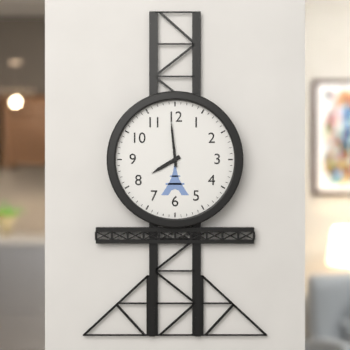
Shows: 7,59
